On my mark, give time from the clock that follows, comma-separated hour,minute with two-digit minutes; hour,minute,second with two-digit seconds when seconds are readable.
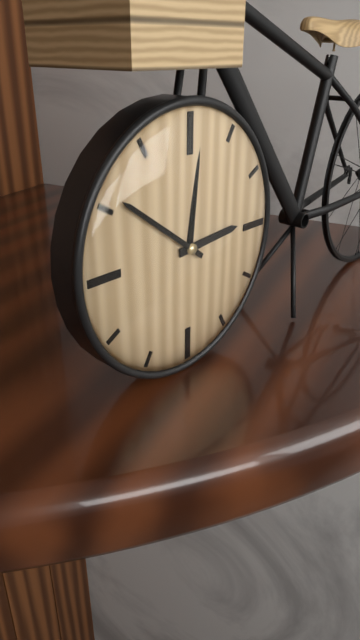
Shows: 2,51
